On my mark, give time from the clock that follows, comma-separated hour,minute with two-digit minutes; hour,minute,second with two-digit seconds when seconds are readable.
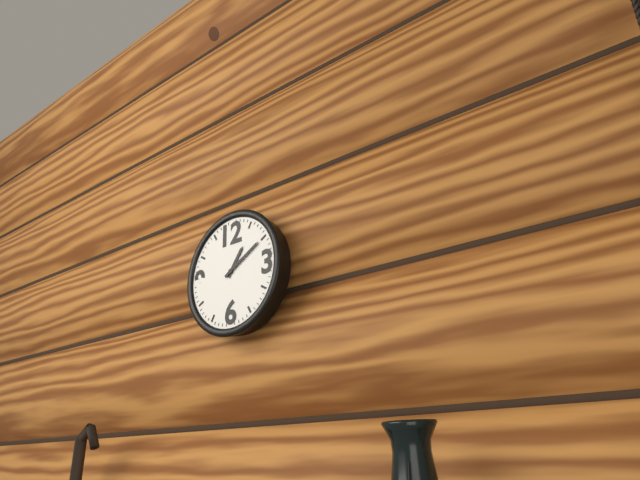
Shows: 1,10
